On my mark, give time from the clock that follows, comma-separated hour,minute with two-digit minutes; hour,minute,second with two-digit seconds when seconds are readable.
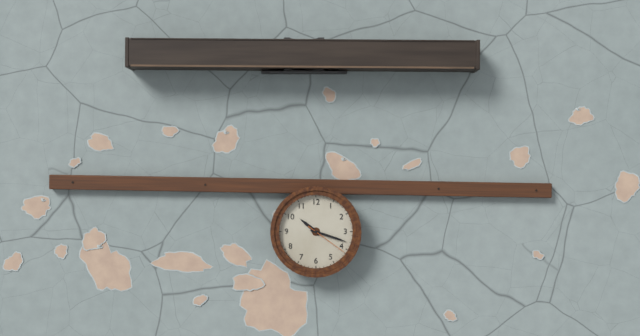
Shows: 10,18
